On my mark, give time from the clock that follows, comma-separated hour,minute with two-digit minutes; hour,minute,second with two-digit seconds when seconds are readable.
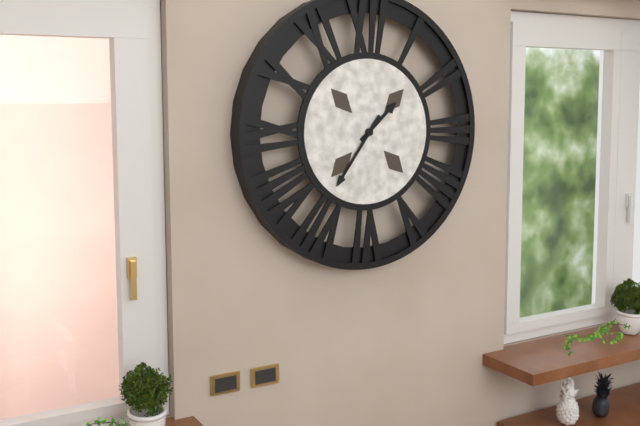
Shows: 1,36
